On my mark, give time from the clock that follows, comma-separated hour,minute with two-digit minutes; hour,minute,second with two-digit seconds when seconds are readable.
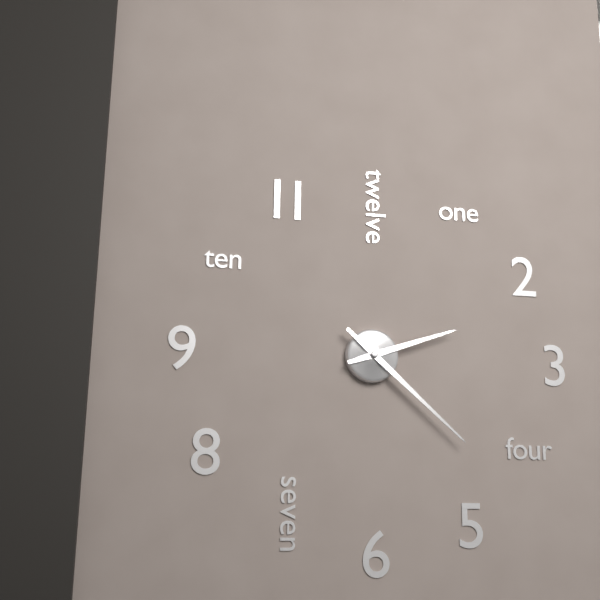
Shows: 2,22
